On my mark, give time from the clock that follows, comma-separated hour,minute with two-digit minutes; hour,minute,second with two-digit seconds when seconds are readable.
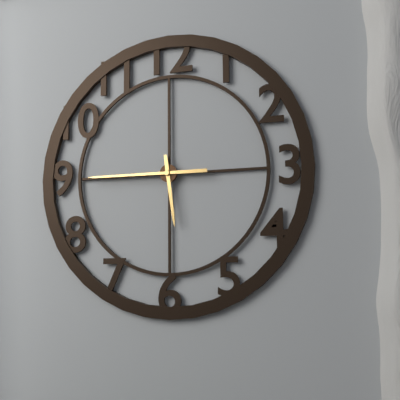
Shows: 5,45
